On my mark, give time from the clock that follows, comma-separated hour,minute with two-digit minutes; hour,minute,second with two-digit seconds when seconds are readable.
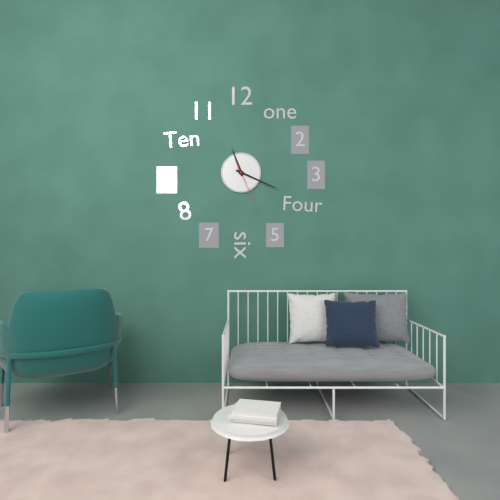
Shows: 11,19,26
